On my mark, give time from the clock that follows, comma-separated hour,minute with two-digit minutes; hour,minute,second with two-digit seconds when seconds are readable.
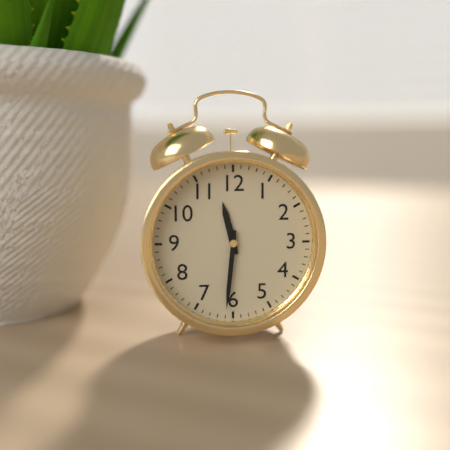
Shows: 11,31
